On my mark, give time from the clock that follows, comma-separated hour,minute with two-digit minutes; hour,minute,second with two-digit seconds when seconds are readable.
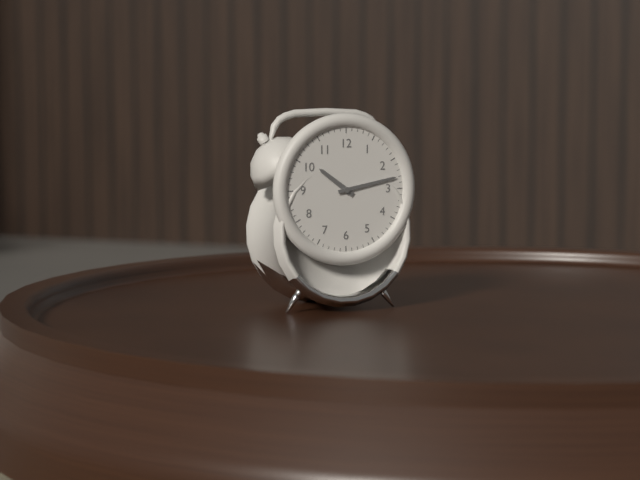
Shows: 10,13
